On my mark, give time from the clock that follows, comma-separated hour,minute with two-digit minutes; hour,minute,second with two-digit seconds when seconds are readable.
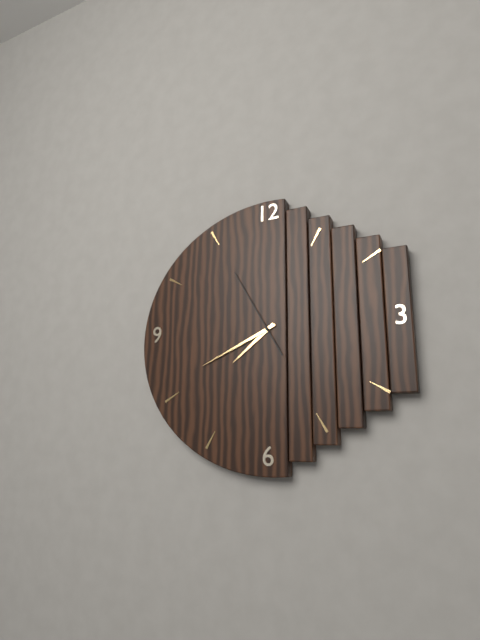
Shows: 7,41,55
